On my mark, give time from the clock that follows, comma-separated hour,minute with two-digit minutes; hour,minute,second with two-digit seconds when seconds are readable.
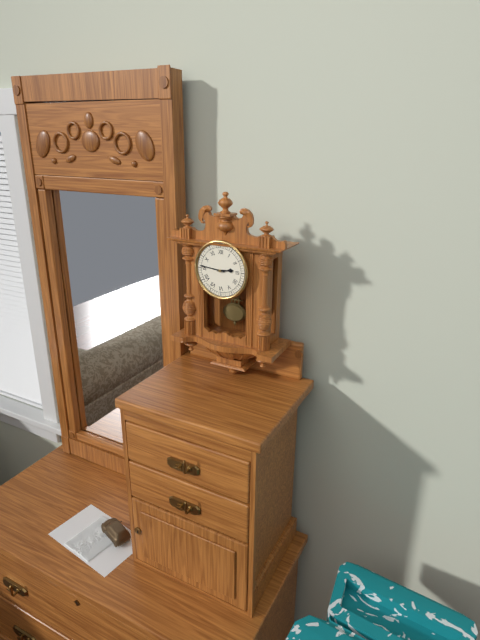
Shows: 2,46
